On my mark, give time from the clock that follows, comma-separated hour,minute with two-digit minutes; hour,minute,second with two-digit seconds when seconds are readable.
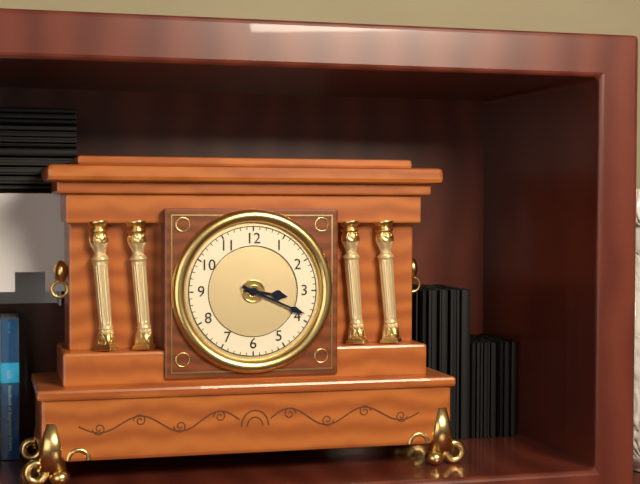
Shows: 3,19
